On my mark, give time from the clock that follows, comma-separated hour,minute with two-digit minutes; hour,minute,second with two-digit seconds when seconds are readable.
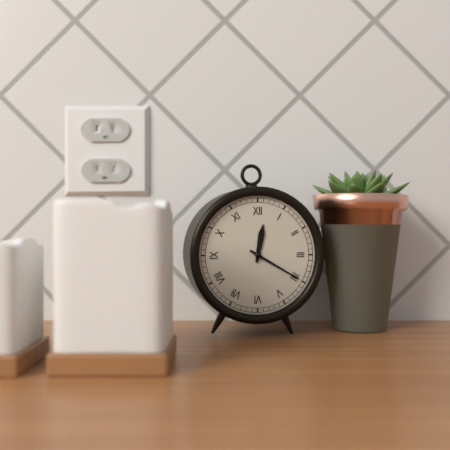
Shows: 12,20
